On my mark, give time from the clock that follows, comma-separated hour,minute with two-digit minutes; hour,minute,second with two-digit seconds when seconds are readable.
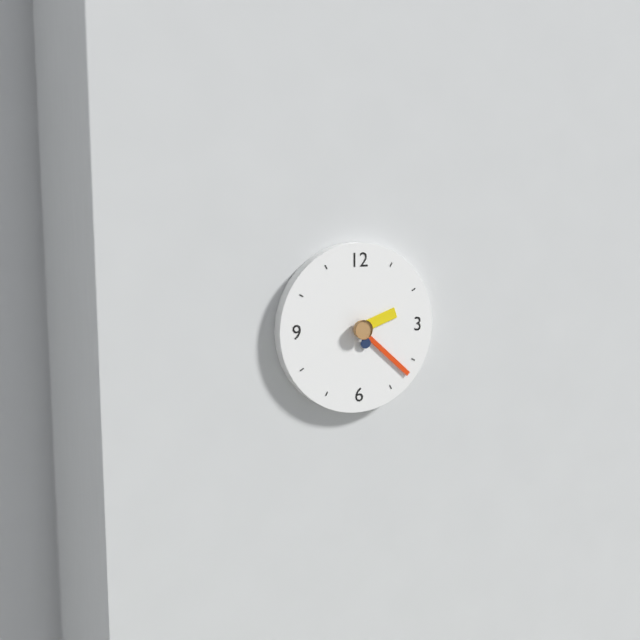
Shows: 2,22
